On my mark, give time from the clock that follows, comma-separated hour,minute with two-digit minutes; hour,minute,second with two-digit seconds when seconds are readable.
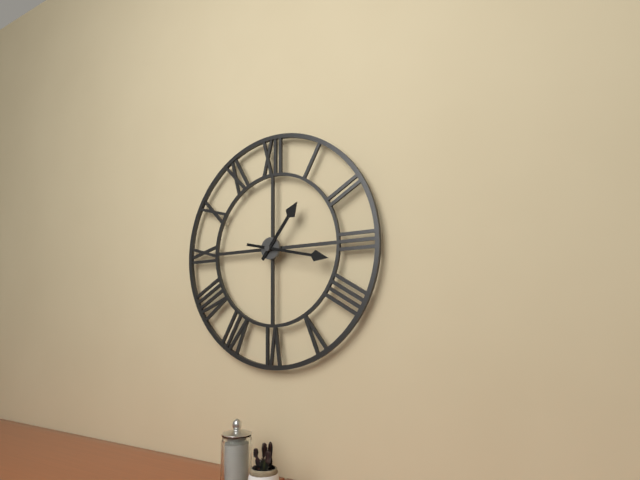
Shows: 1,17
